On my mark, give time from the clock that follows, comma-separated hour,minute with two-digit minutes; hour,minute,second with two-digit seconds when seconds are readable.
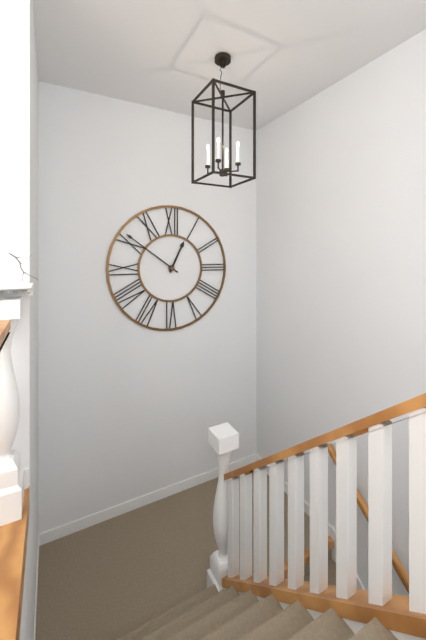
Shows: 12,51
